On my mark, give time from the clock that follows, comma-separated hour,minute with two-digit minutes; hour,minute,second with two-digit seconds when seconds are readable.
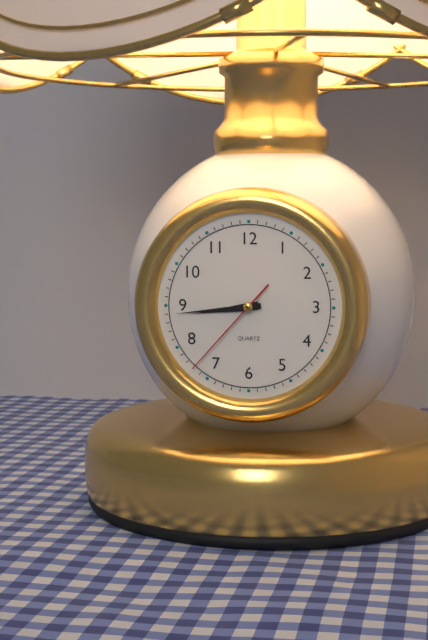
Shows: 8,44,37
